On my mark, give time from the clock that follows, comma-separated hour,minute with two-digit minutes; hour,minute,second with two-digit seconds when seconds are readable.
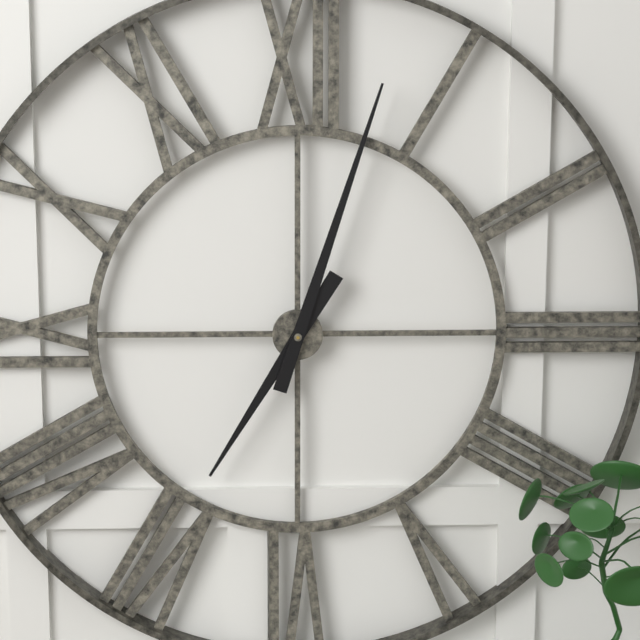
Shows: 7,03
